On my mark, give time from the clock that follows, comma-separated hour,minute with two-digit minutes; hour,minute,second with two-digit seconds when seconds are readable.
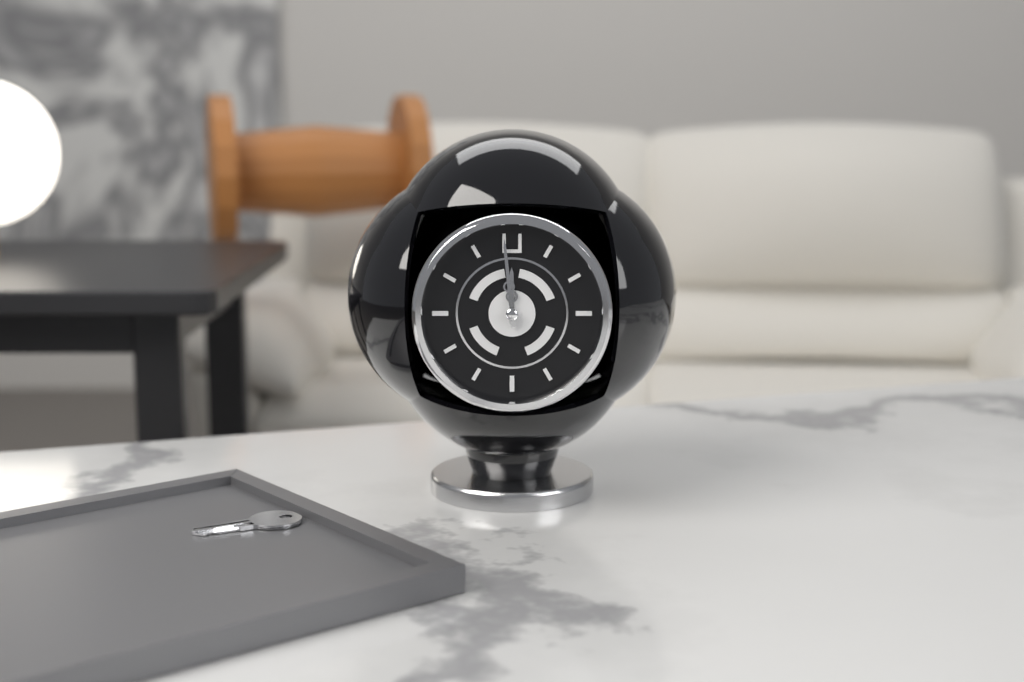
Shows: 11,59
